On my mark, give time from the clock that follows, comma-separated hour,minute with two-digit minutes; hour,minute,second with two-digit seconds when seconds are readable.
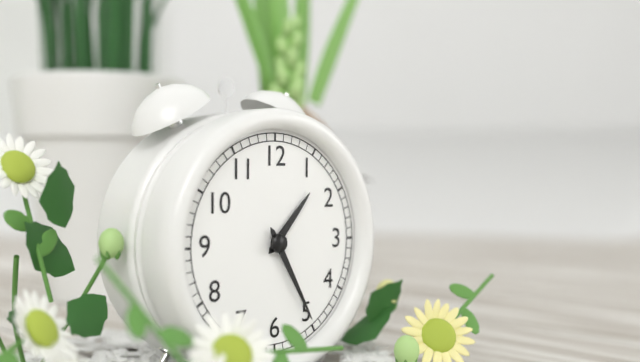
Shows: 1,25
